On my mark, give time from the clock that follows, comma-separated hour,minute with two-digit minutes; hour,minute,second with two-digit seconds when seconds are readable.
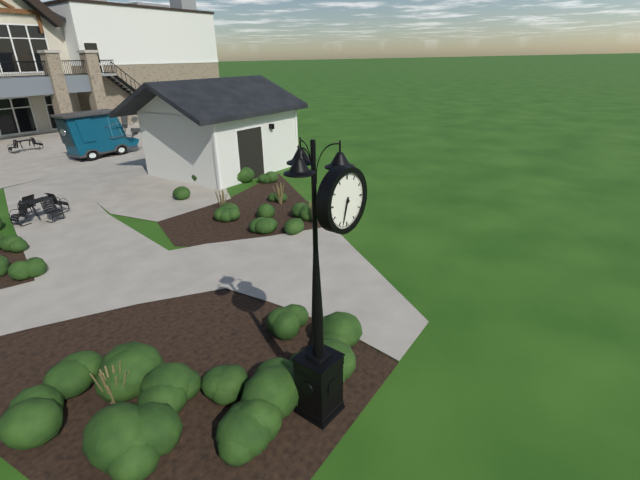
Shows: 6,33
